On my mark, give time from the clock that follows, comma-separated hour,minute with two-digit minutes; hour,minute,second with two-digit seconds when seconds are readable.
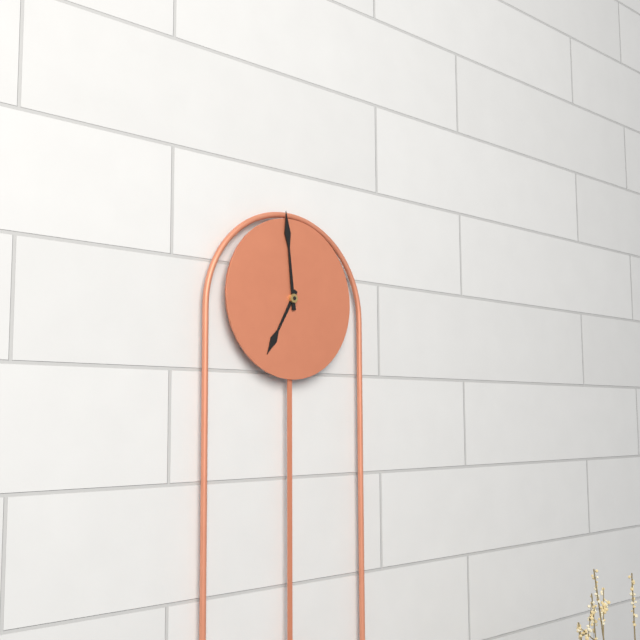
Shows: 6,59
